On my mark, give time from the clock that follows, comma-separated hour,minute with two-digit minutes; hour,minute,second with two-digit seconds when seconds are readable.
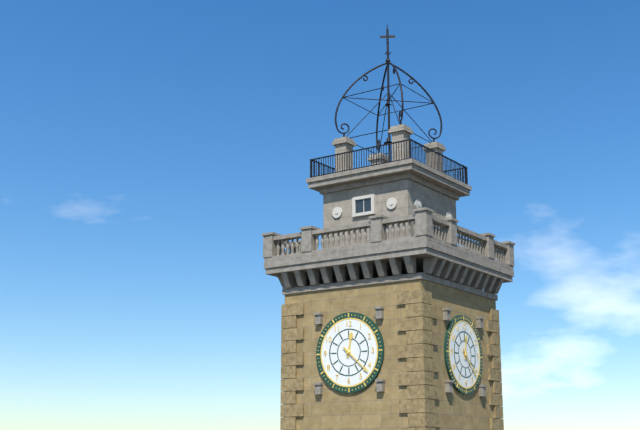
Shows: 12,22
